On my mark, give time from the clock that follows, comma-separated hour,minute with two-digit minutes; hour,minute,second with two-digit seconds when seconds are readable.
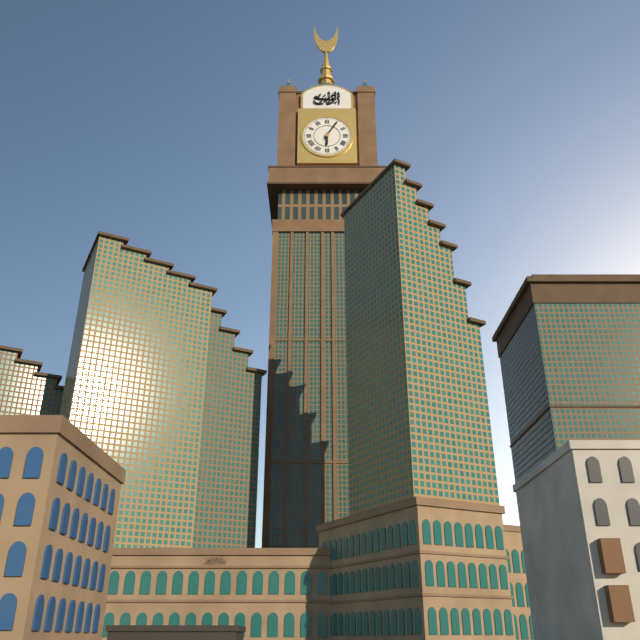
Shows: 6,05
